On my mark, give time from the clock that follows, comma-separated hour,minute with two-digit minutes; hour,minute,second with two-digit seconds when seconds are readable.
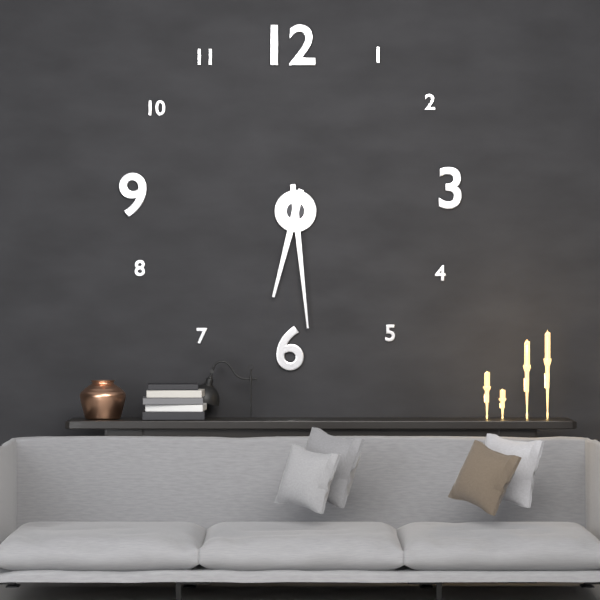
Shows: 6,29
